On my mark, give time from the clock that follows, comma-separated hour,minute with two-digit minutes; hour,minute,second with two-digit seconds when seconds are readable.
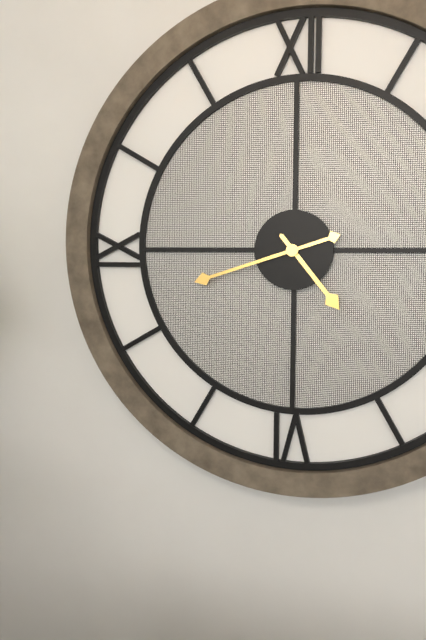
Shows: 4,42
